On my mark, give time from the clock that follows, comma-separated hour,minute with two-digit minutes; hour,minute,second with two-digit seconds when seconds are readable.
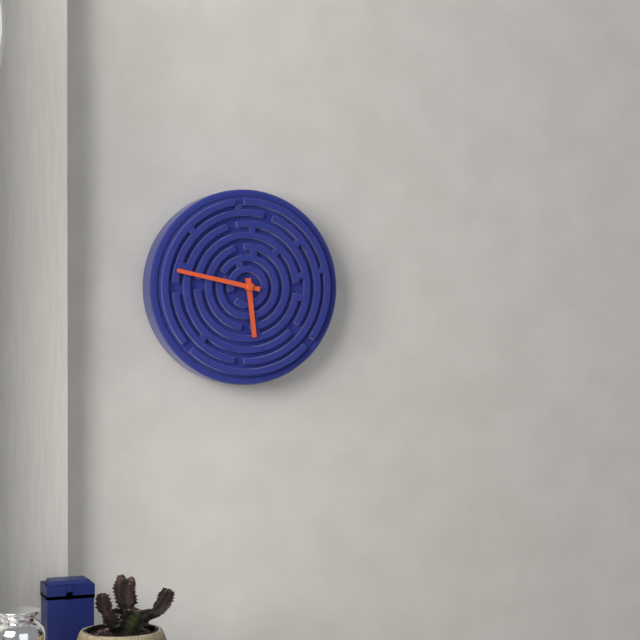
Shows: 5,47
